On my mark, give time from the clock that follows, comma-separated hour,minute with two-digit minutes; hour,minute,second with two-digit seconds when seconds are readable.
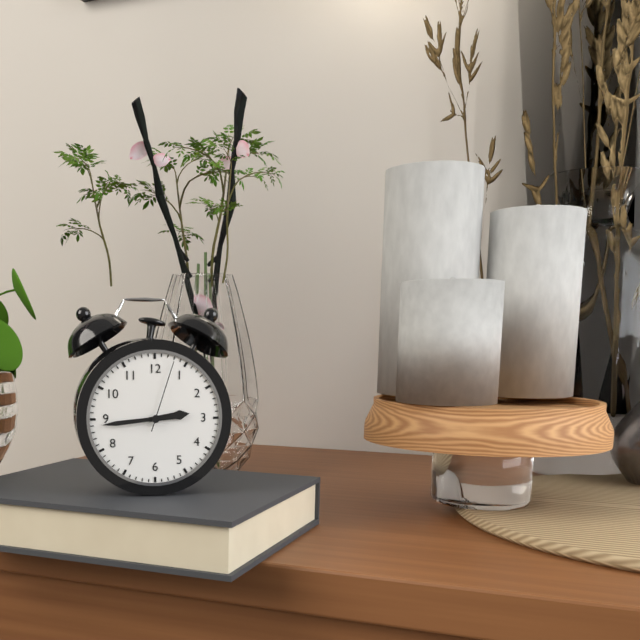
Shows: 2,44,03
